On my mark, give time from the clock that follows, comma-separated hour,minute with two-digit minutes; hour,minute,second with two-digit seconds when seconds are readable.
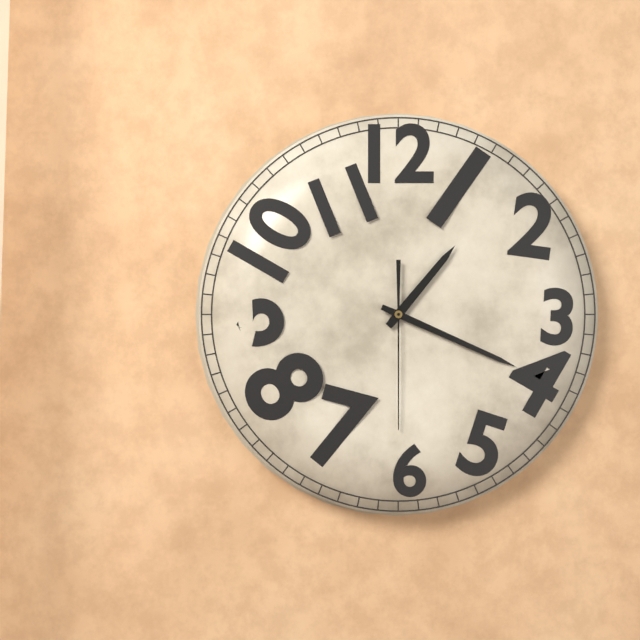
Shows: 1,19,30
